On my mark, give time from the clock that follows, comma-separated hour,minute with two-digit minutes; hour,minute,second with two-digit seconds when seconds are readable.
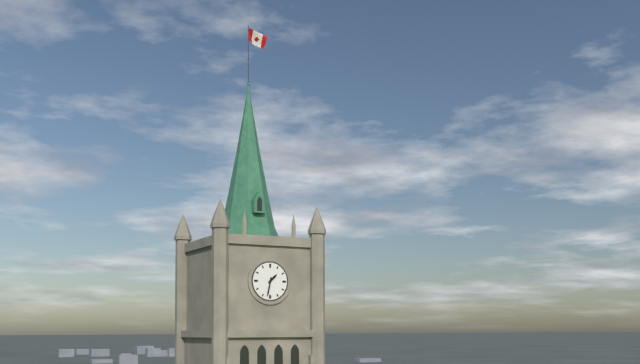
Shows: 1,32
